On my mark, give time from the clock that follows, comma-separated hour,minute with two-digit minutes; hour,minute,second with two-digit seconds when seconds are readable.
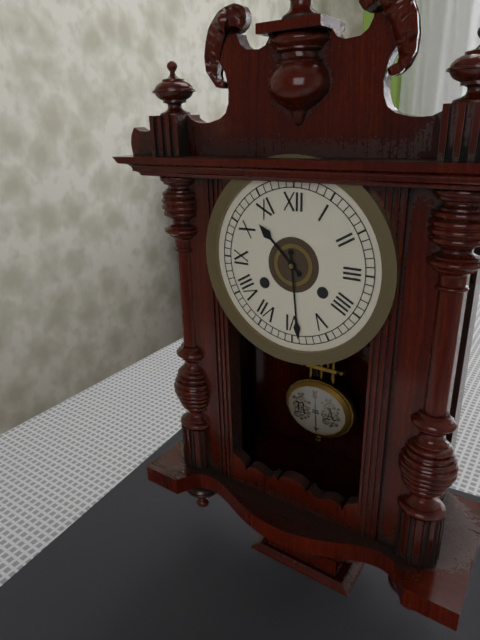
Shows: 10,29
